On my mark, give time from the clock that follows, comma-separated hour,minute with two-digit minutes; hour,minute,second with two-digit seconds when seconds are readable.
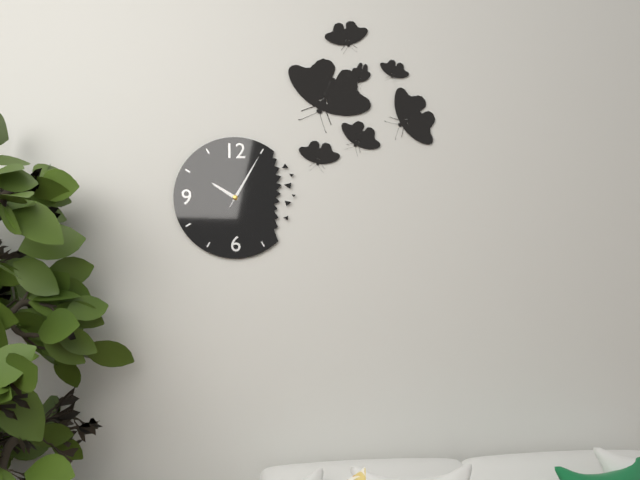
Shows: 10,05,05
